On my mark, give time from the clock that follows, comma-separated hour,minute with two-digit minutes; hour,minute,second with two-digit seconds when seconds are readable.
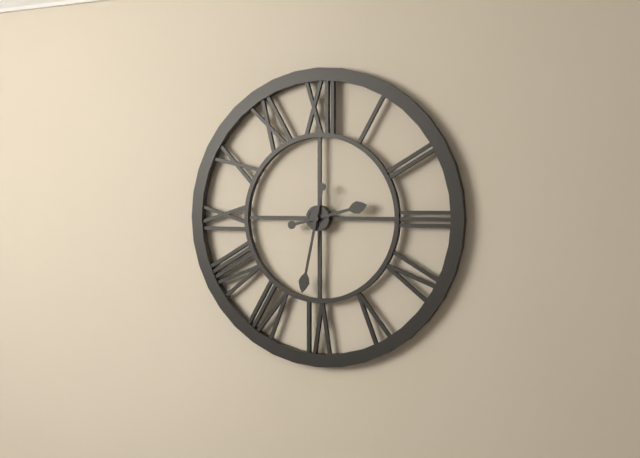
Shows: 2,32
